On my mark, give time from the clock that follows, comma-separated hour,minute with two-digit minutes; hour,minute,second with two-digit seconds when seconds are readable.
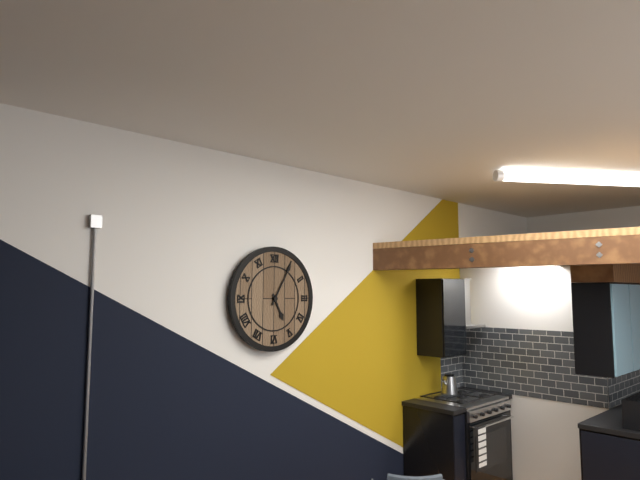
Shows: 5,05
